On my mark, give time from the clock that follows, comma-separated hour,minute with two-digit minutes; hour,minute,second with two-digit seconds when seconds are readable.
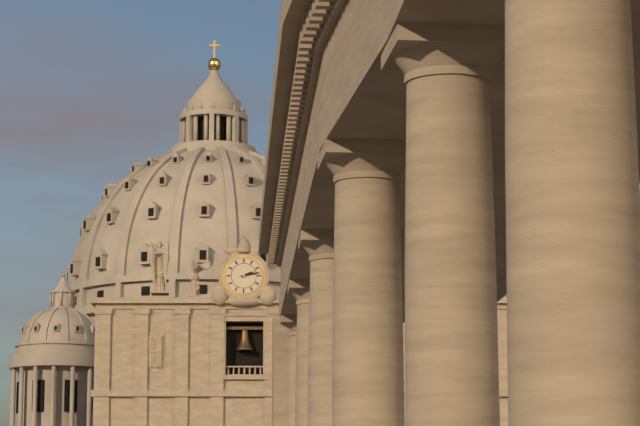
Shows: 2,13
